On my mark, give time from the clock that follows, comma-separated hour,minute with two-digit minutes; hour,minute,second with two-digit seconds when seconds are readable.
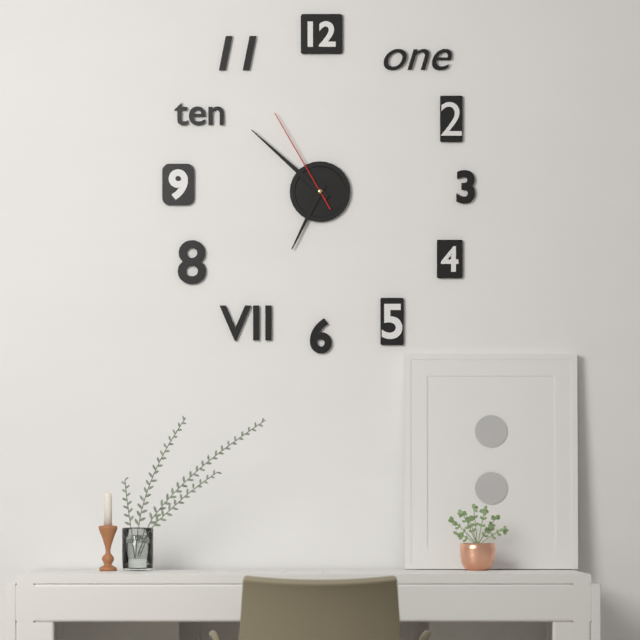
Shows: 6,52,55
